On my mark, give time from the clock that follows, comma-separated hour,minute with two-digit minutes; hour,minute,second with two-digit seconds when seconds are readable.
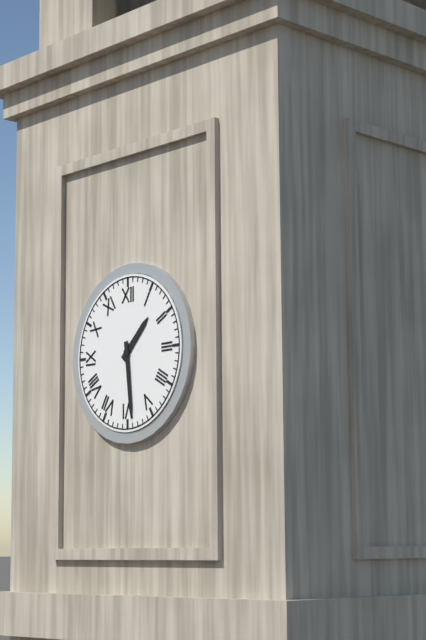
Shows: 1,29
